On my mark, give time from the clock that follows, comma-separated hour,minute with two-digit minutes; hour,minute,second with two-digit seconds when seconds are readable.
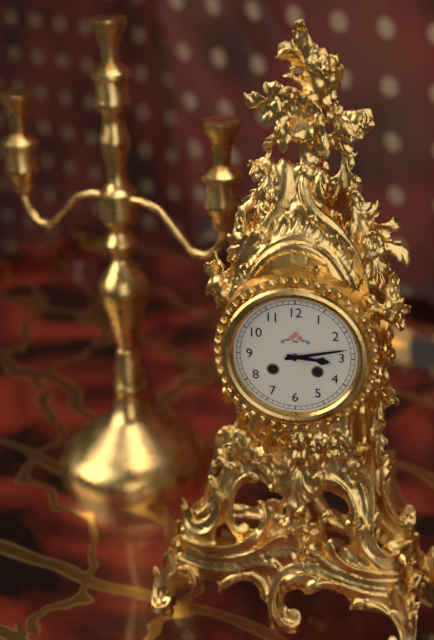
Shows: 3,13
